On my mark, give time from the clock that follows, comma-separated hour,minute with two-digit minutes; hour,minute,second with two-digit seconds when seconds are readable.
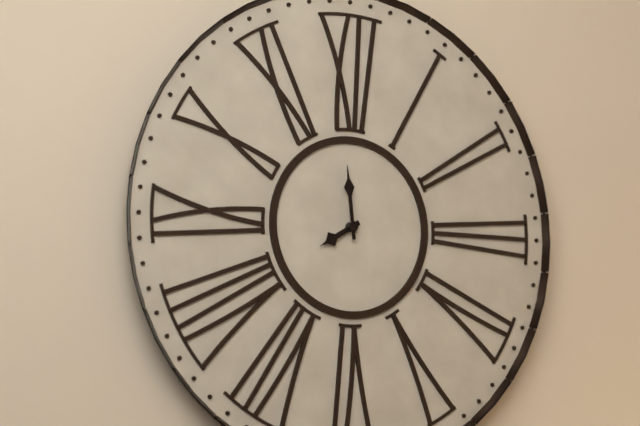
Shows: 7,59
